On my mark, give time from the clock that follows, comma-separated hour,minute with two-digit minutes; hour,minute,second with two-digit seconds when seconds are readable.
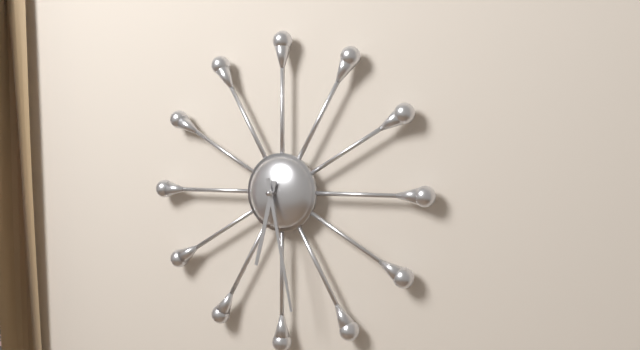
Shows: 6,28
